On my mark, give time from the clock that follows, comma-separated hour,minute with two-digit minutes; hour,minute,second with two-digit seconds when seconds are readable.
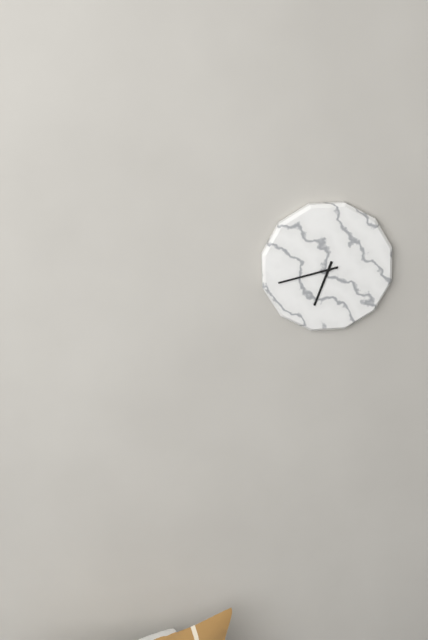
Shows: 6,43
